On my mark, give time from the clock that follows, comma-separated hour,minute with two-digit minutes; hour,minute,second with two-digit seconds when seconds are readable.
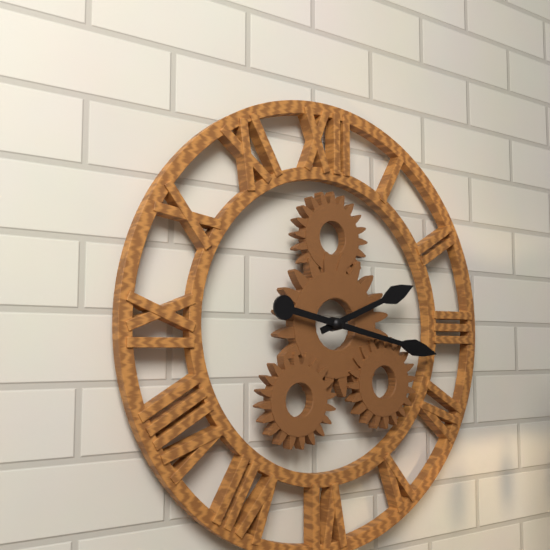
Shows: 2,17
